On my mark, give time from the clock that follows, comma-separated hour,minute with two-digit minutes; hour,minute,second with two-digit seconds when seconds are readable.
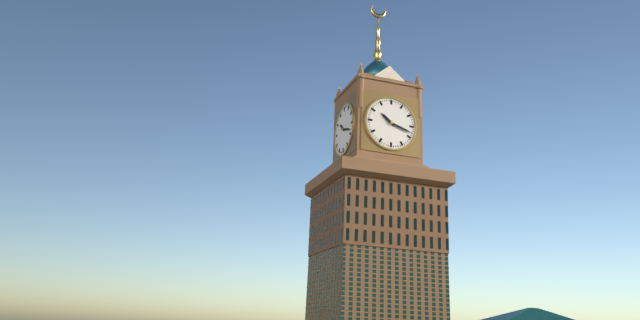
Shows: 10,18
